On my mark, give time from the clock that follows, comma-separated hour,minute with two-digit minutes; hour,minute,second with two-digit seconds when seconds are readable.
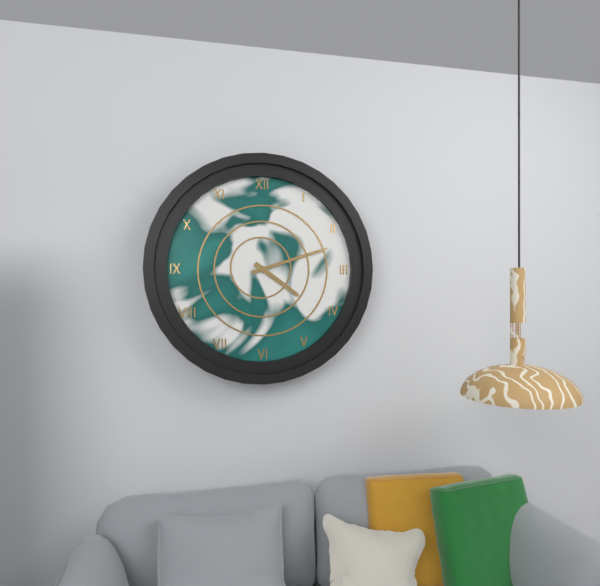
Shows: 4,12
